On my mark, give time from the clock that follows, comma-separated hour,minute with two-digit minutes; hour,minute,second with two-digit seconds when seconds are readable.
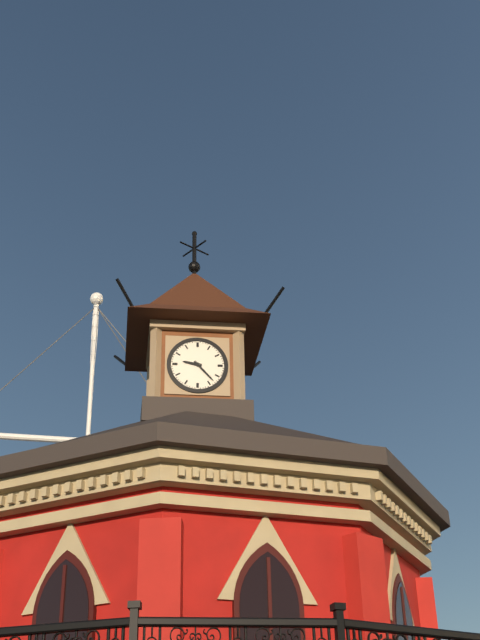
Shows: 9,23
